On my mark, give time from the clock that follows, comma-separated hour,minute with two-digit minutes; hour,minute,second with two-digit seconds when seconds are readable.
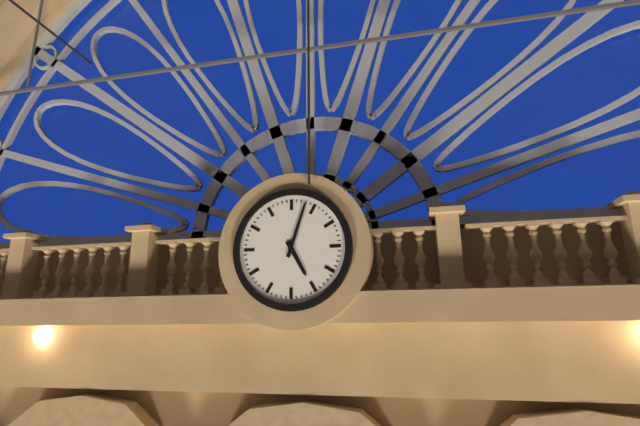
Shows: 5,03
